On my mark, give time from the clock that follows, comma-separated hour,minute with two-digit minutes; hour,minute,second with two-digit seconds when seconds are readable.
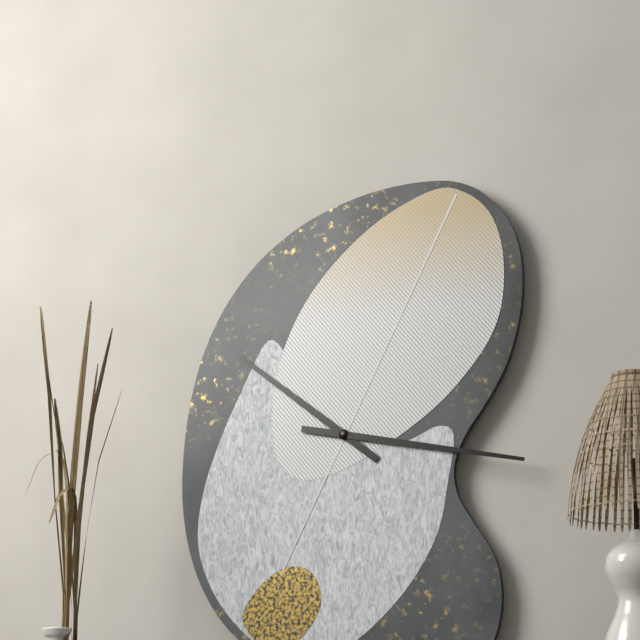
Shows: 10,17
